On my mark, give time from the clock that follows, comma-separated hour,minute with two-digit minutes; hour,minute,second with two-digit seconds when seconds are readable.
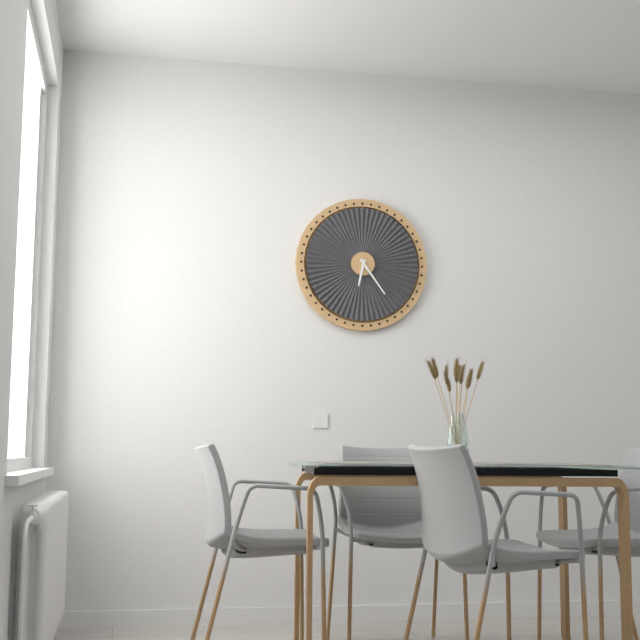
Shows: 6,24
